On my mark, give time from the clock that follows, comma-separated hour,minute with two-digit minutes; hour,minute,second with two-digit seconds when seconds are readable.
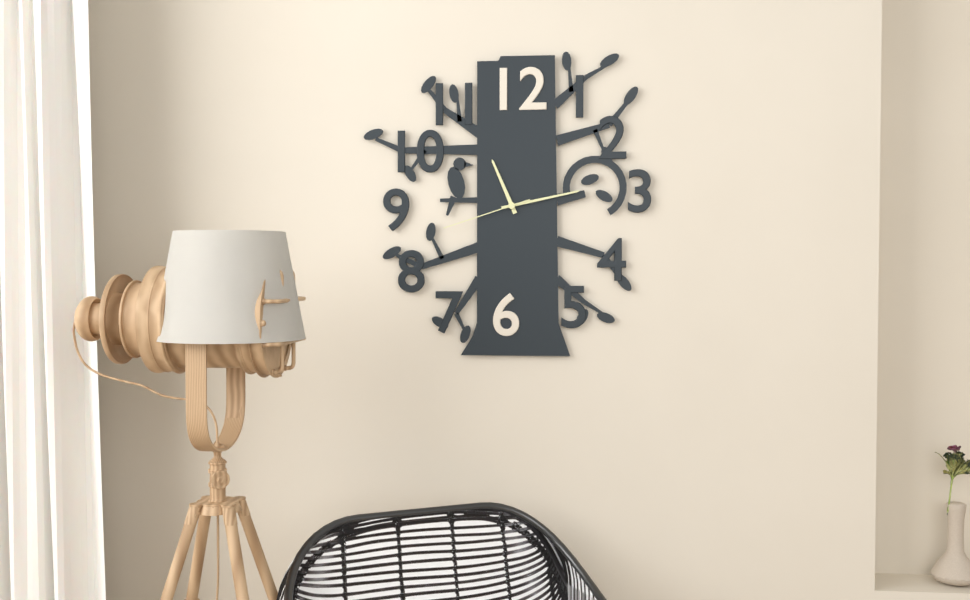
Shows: 11,13,42
